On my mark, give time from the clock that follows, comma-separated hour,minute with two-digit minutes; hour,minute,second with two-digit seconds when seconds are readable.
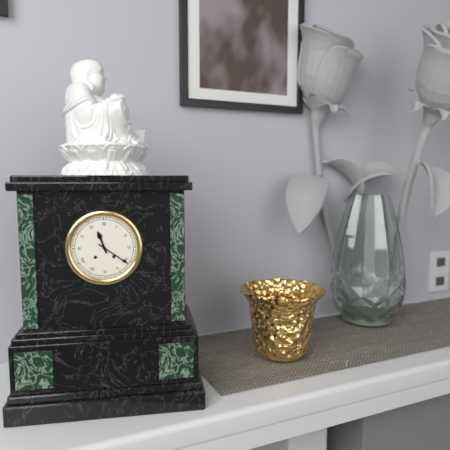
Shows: 11,21
